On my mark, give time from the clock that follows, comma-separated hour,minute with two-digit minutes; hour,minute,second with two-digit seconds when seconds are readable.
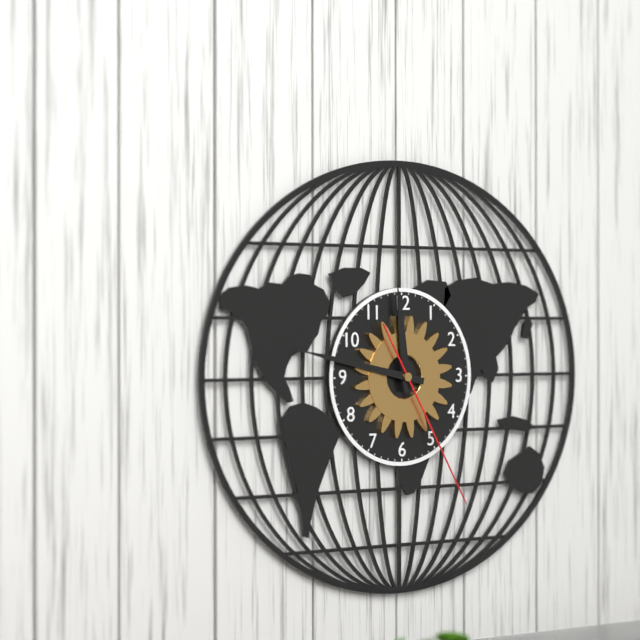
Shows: 11,47,25
